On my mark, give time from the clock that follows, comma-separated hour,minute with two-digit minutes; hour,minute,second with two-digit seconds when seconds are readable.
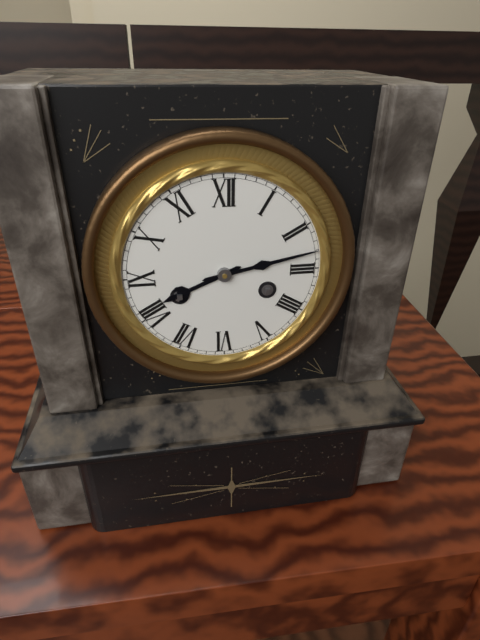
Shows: 8,13
